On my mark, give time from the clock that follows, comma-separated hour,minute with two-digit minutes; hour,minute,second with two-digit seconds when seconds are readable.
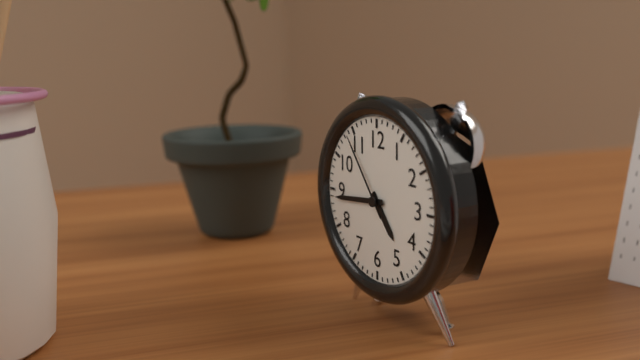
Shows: 4,44,54
